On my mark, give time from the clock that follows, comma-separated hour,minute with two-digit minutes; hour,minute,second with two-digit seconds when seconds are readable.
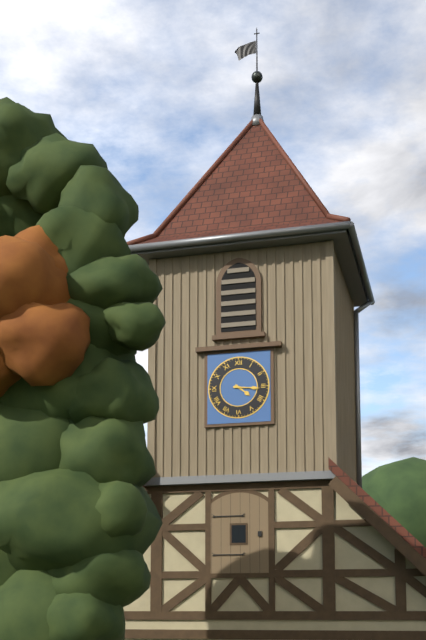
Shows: 4,16
